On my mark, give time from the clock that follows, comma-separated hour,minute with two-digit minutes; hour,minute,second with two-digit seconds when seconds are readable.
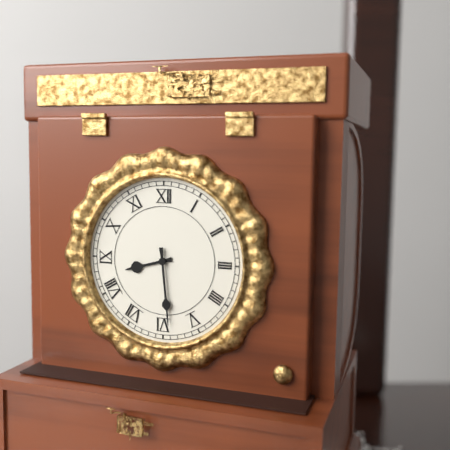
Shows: 8,29
